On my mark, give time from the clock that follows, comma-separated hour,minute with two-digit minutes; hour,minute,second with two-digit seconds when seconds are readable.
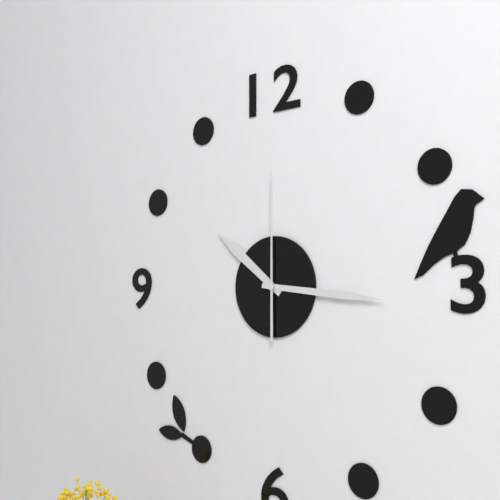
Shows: 10,16,00
